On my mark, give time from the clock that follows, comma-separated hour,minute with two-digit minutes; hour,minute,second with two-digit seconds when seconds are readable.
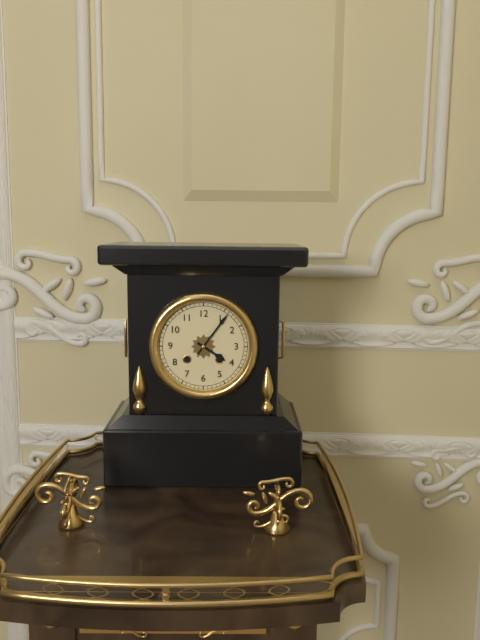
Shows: 4,06
